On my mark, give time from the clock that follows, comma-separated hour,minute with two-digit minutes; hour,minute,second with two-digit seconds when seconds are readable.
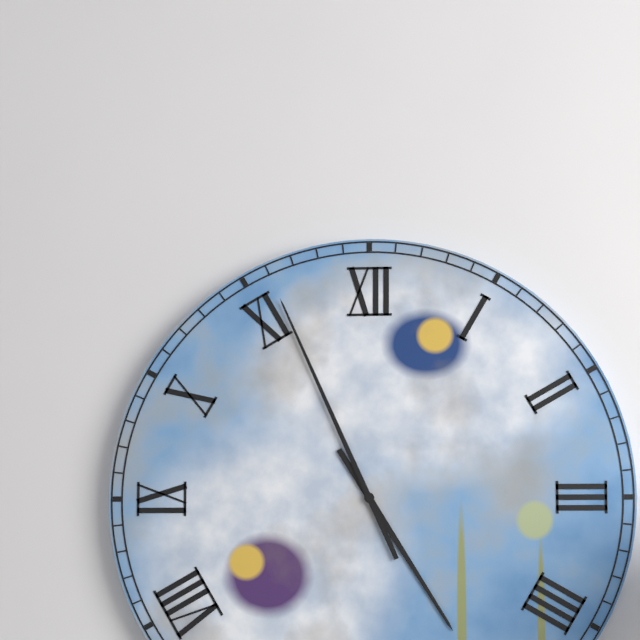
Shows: 4,56
